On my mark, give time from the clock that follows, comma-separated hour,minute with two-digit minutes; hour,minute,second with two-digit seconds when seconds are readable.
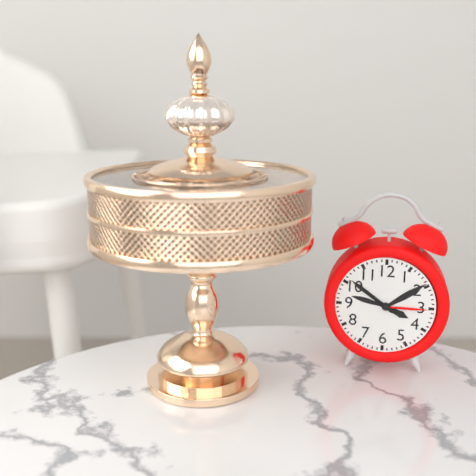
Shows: 3,51
